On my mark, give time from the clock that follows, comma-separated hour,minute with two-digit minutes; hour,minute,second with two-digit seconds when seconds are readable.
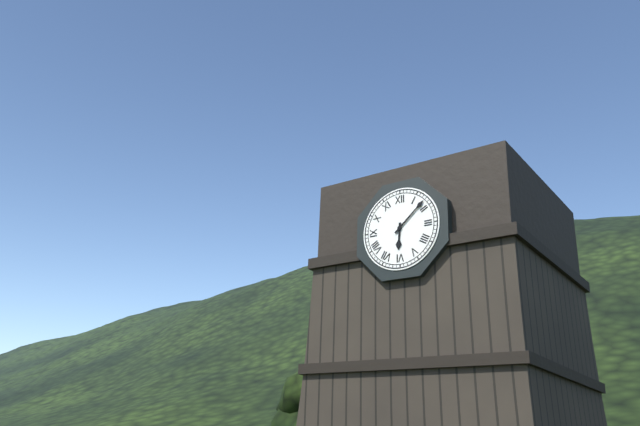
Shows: 6,08
